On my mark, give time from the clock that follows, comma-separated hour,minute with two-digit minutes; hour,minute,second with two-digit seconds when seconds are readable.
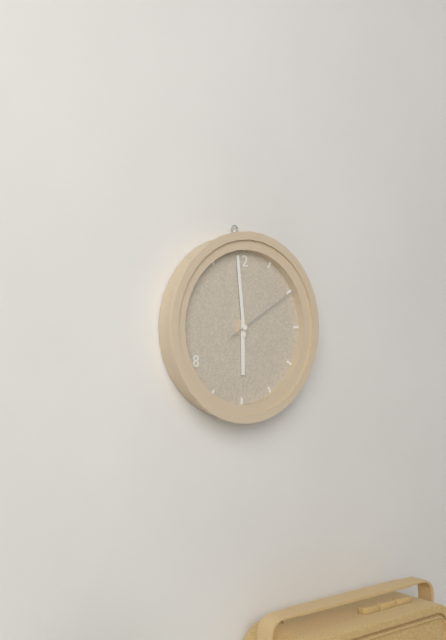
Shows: 5,59,10
